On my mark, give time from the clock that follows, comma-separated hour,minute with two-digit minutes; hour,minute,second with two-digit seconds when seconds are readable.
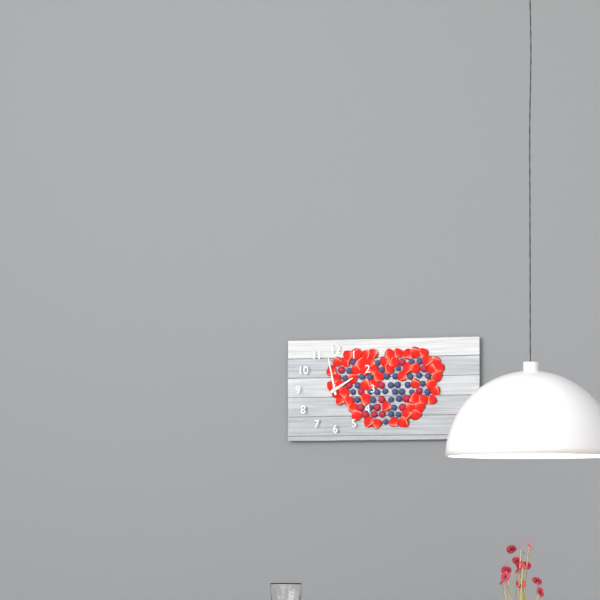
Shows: 1,58
